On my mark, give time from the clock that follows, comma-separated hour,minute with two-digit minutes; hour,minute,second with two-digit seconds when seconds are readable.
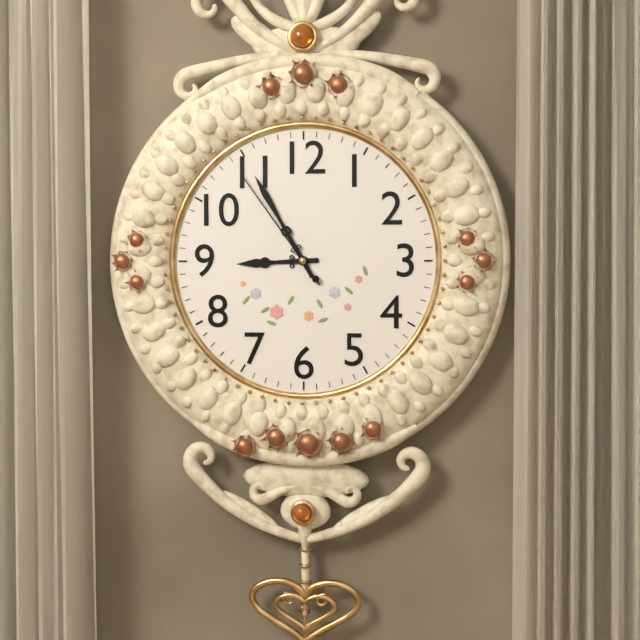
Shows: 8,55,54
